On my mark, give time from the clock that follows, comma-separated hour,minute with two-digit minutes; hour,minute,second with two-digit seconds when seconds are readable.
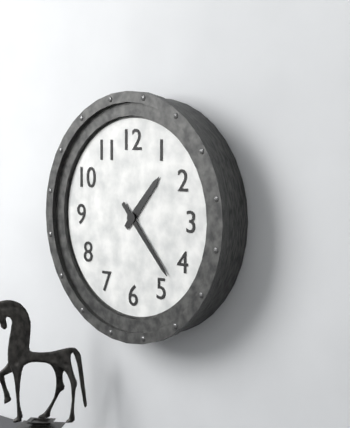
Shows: 1,23
